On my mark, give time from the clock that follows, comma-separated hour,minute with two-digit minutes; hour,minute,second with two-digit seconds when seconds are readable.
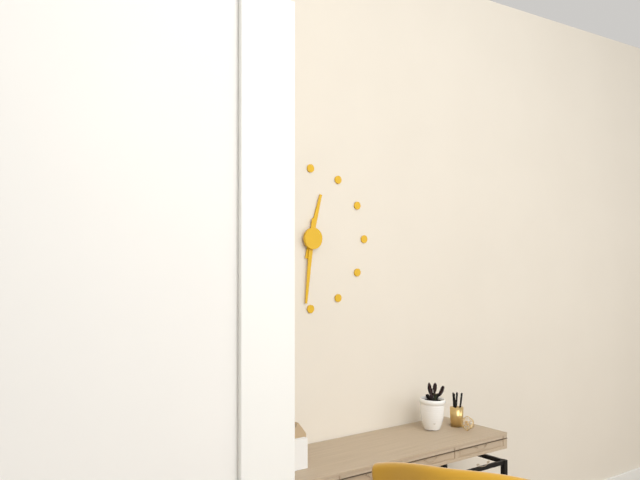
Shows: 12,31
